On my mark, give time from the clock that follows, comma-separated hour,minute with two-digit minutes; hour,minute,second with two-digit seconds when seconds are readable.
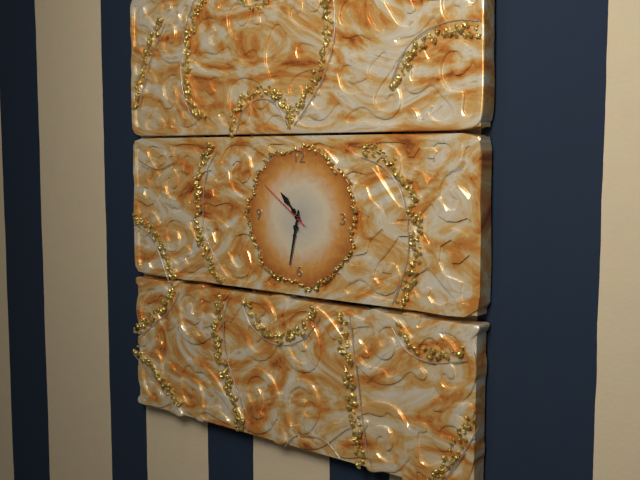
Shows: 10,32,51
